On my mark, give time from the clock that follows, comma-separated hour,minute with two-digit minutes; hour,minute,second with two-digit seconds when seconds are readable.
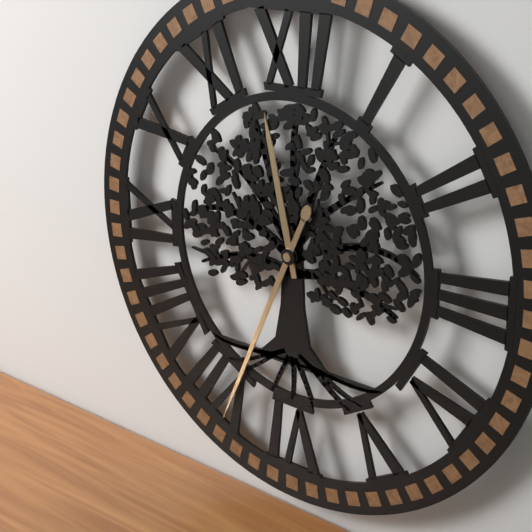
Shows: 11,34
